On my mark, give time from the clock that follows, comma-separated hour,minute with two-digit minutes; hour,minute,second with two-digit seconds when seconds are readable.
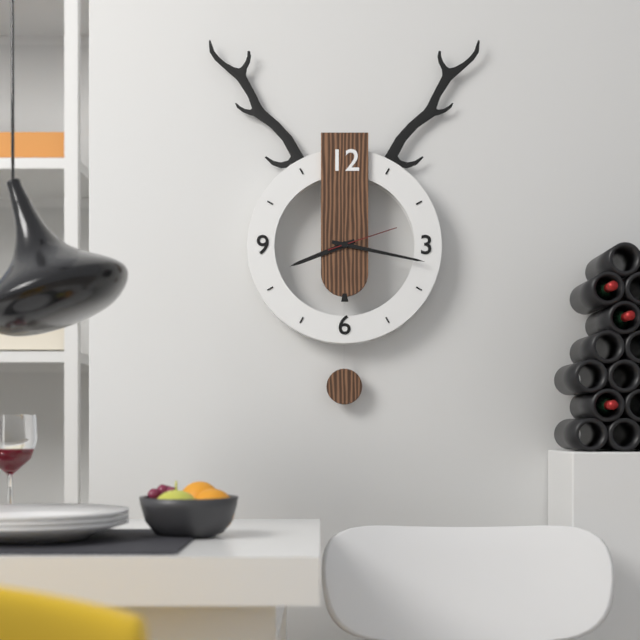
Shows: 8,17,12
